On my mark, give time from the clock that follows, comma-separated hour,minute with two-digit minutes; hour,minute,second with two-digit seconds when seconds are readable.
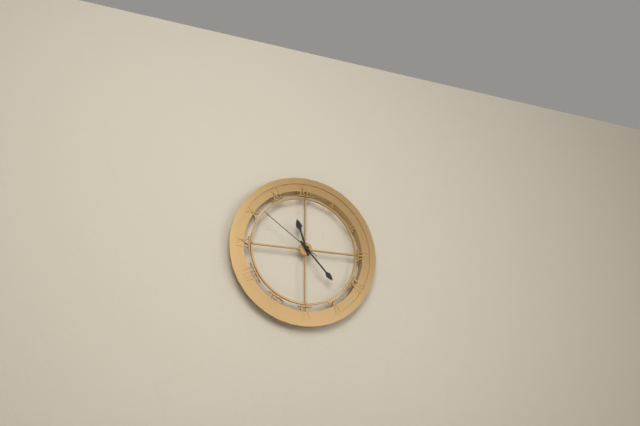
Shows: 11,23,51
